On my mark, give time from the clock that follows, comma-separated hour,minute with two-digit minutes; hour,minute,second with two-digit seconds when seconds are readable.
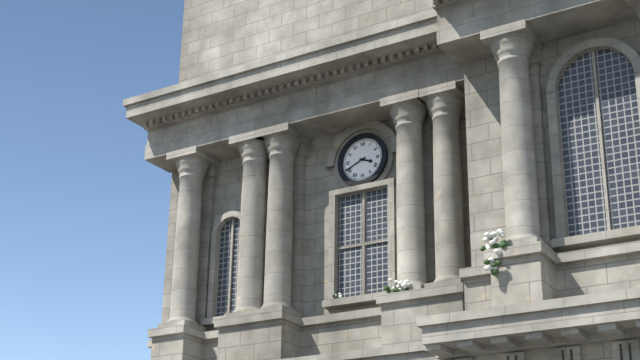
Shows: 3,41
